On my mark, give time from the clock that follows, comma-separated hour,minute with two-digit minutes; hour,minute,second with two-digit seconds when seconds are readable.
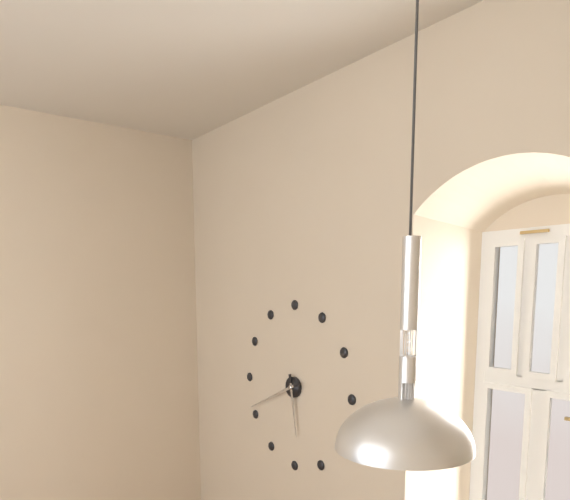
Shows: 5,41
